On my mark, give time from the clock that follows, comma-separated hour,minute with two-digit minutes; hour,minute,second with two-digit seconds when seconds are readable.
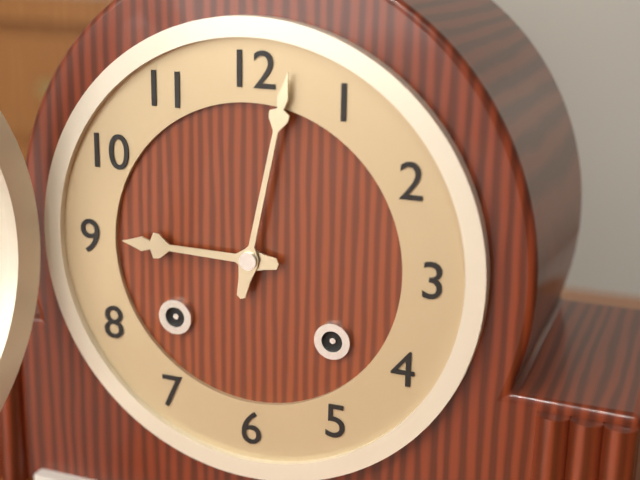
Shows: 9,02
